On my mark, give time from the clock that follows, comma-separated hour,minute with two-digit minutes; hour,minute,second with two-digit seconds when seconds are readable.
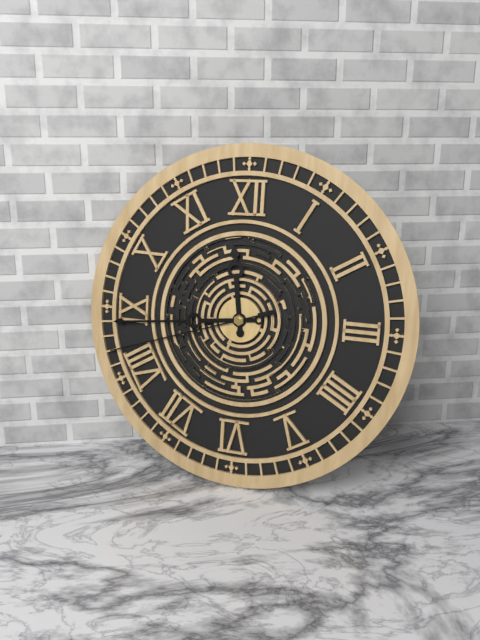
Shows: 11,44,42
